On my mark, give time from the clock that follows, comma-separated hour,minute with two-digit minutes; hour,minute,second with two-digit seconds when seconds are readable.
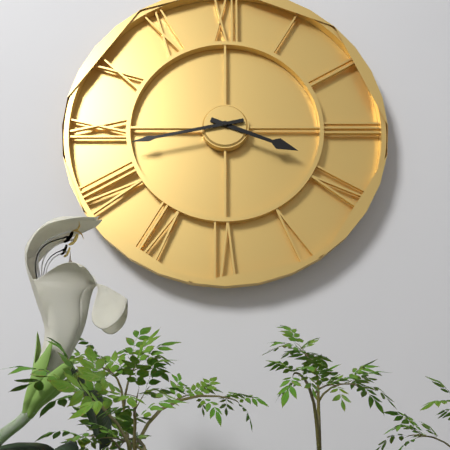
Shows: 3,43
